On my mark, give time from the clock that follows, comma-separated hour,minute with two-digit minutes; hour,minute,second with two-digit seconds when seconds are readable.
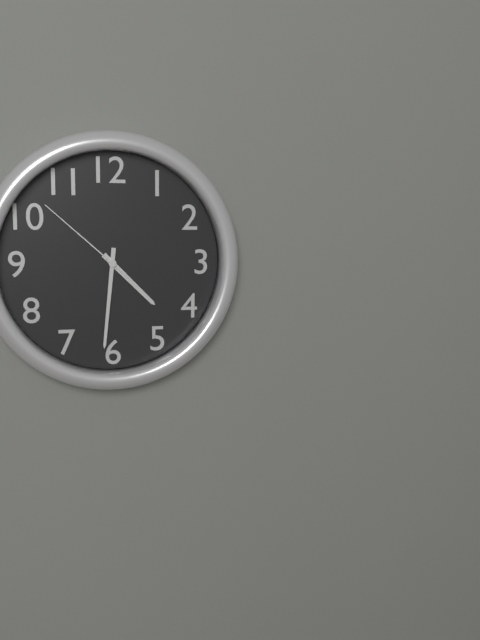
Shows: 4,31,52
